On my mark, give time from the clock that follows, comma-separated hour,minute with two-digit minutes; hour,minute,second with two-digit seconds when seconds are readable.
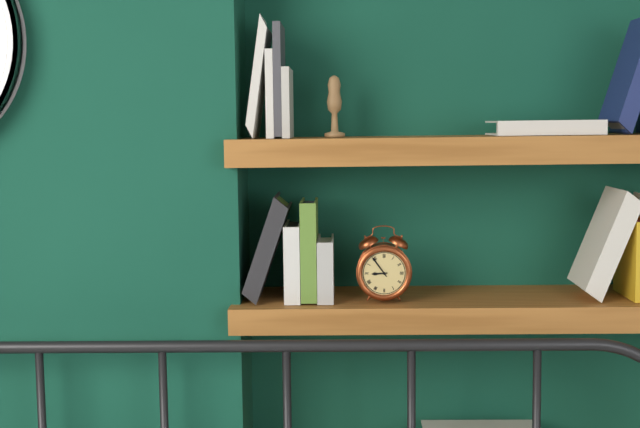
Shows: 8,54
